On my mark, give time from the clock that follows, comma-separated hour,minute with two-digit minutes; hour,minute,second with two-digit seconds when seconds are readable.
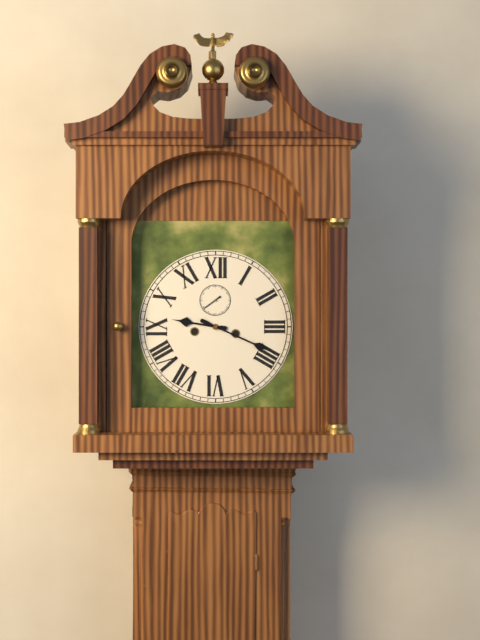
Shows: 9,19
